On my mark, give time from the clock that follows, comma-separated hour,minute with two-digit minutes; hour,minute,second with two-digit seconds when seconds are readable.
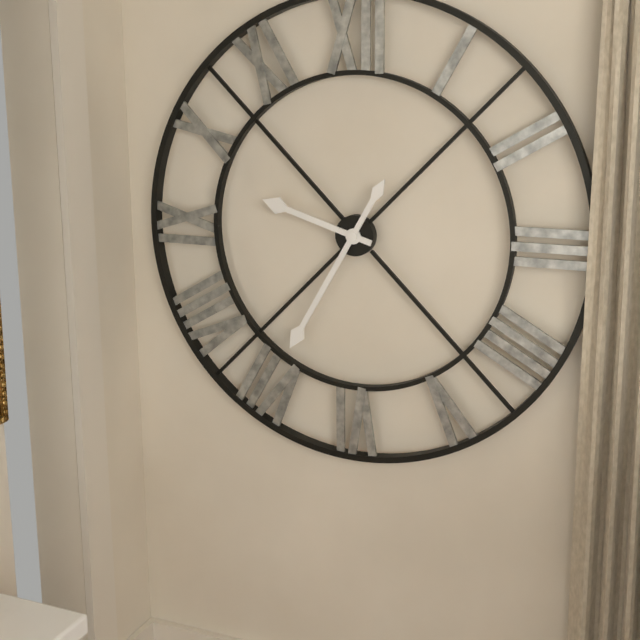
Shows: 9,35
